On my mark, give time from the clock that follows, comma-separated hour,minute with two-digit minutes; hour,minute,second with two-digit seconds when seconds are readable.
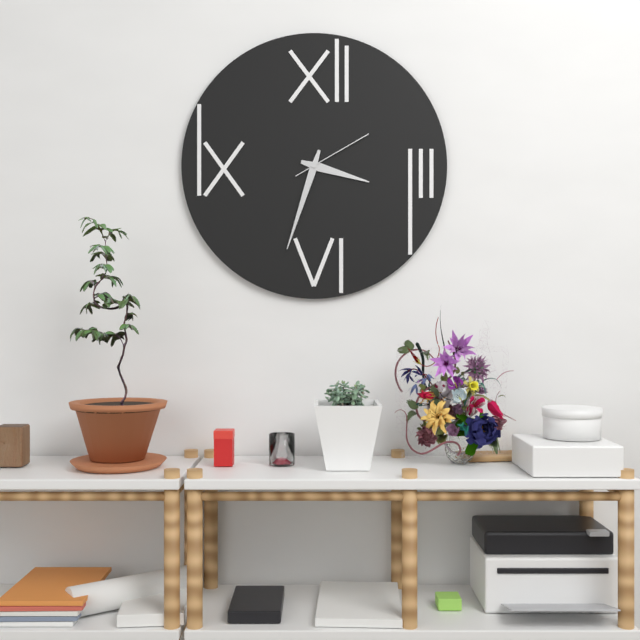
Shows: 3,33,10
